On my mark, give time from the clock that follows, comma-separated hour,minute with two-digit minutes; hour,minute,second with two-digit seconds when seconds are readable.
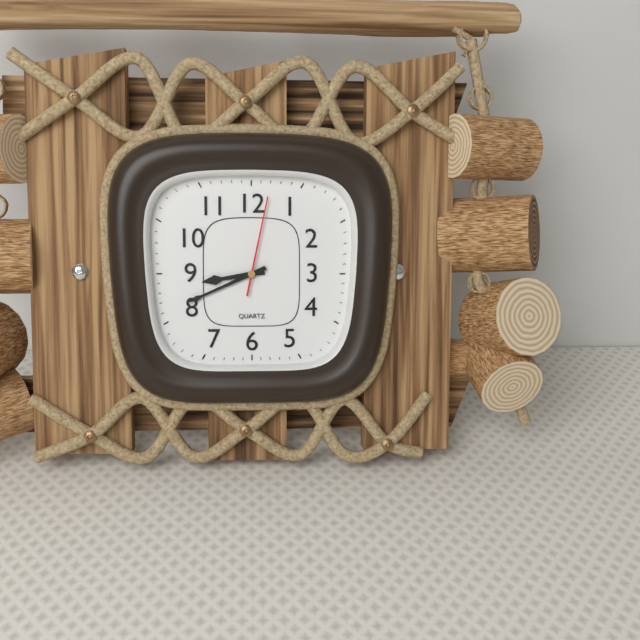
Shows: 8,41,02
